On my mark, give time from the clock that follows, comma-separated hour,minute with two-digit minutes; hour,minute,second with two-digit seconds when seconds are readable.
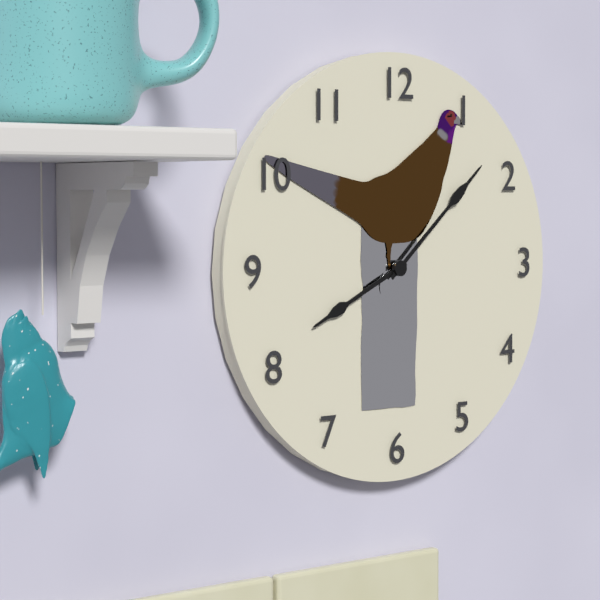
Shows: 8,08
